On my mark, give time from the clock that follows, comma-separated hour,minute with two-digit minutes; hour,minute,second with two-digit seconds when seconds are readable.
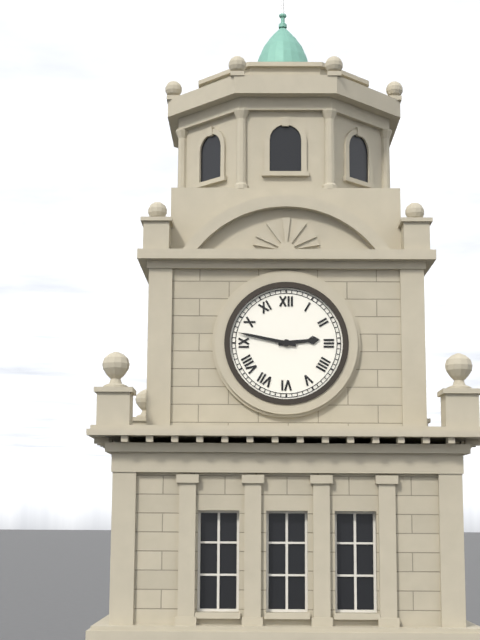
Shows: 2,47
